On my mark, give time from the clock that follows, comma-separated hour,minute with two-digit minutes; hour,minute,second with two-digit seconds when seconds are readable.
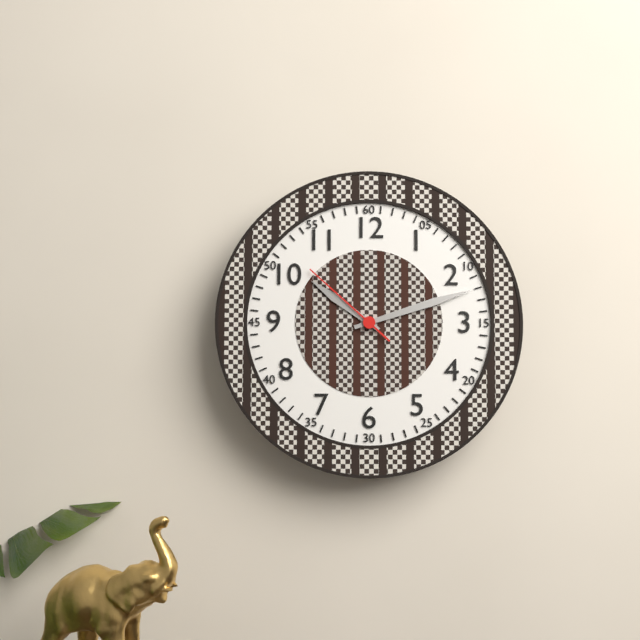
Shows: 10,12,52
